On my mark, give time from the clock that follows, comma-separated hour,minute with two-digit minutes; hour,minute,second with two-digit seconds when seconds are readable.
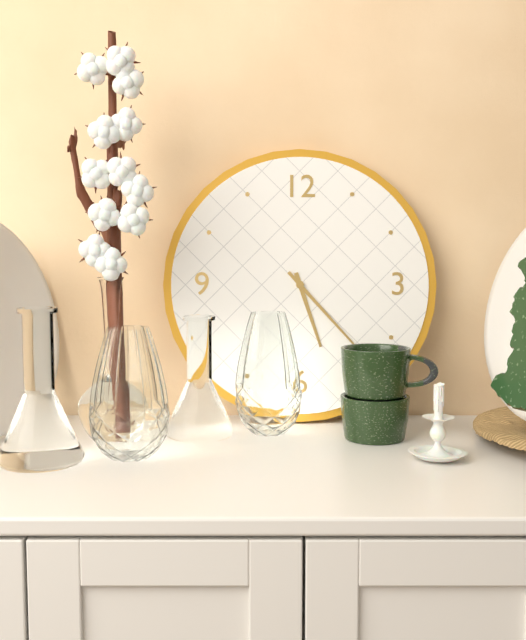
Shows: 5,23
